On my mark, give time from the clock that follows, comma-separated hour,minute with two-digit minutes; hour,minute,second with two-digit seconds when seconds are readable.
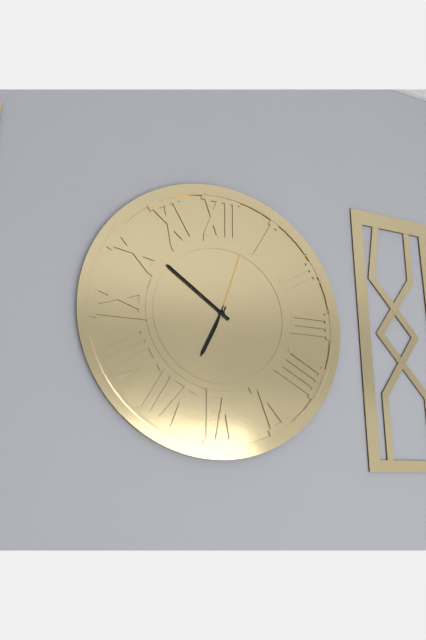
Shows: 6,51,03
